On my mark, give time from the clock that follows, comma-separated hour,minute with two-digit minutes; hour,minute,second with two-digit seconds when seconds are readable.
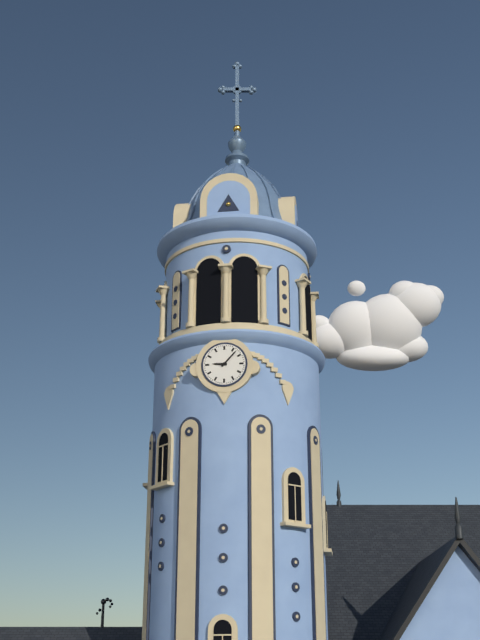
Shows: 9,07
